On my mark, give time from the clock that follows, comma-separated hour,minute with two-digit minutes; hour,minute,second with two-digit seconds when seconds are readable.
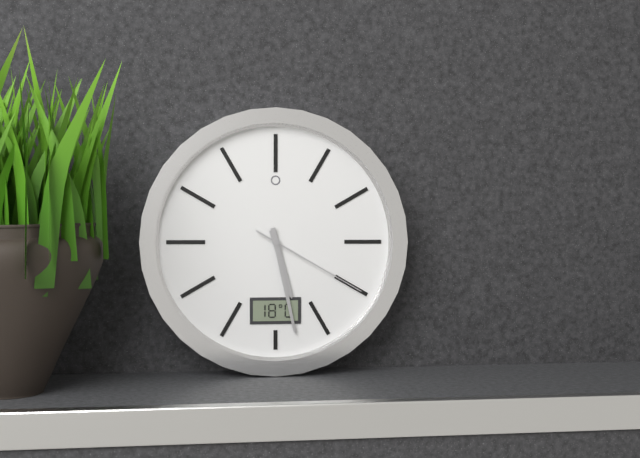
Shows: 5,28,20
